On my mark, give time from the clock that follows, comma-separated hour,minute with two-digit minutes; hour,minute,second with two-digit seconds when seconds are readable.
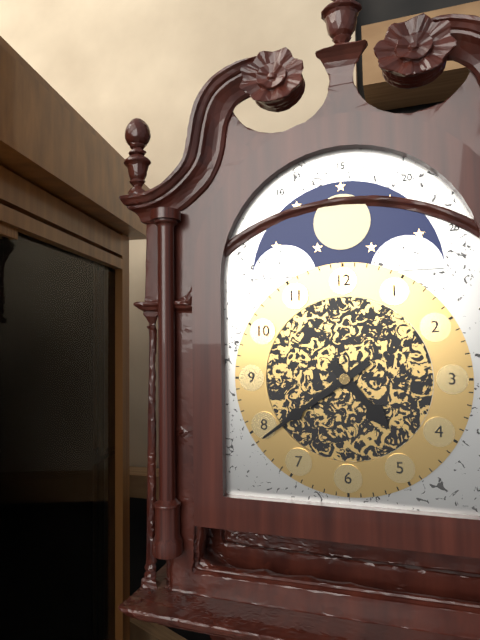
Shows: 4,39
